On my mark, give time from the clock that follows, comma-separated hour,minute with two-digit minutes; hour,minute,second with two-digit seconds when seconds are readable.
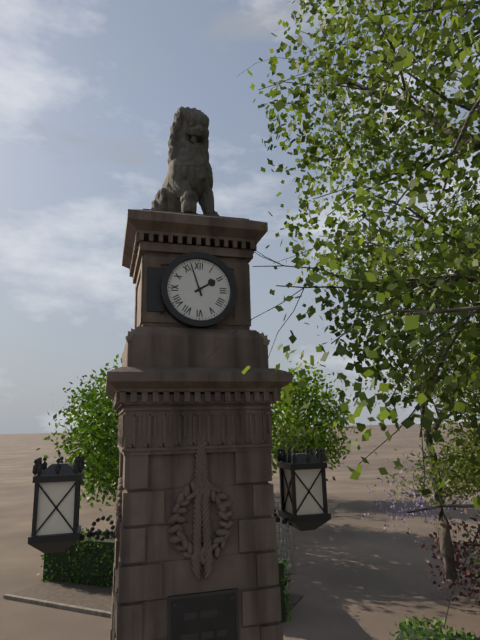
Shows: 1,57
